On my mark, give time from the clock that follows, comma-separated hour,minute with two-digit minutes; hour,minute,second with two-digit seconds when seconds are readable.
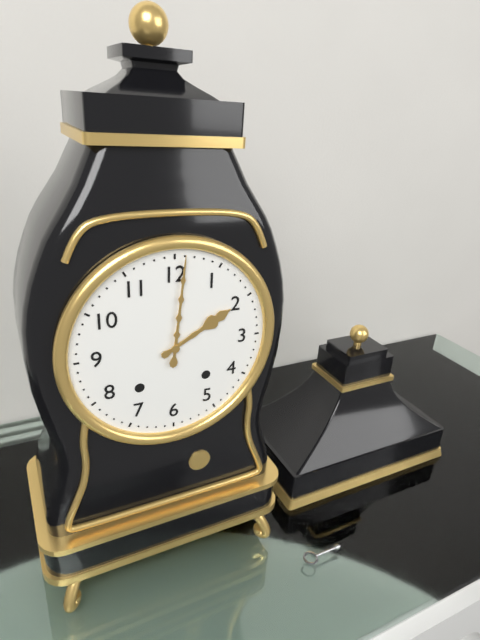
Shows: 2,01
